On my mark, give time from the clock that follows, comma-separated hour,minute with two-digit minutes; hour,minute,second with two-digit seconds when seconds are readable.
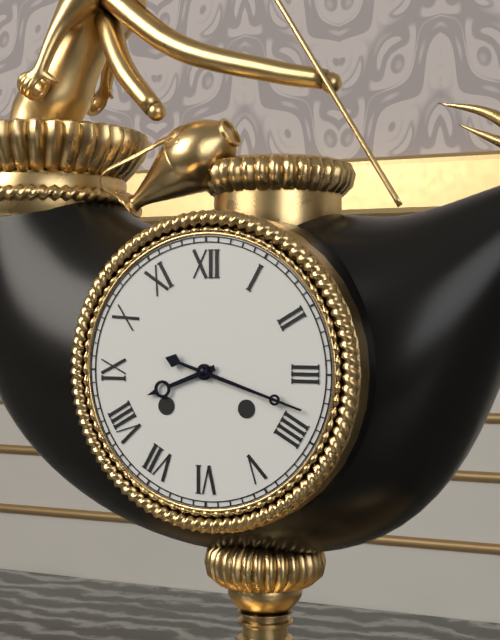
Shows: 8,18
